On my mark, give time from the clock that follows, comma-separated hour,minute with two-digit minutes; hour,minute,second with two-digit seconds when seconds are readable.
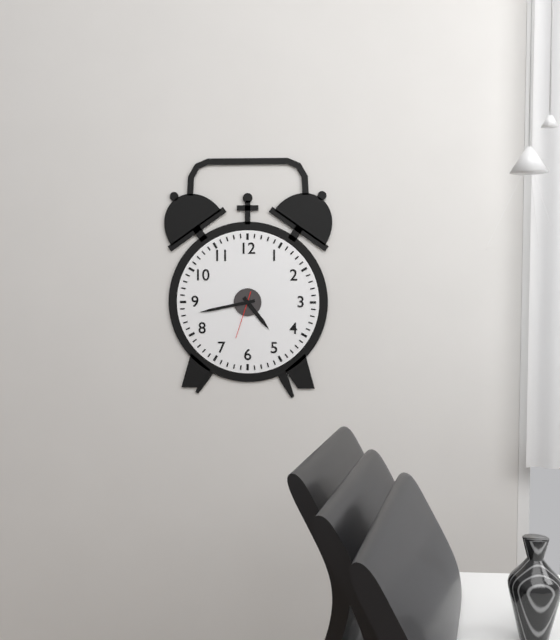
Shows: 4,43
